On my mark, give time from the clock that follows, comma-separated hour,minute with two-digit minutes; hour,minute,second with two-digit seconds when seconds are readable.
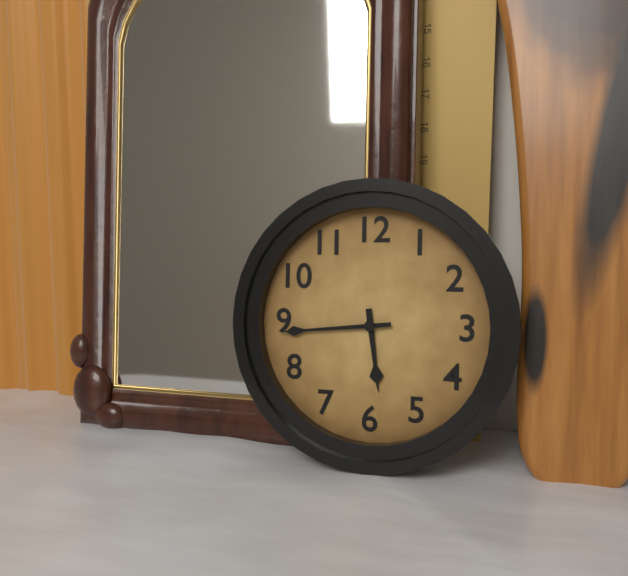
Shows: 5,44
